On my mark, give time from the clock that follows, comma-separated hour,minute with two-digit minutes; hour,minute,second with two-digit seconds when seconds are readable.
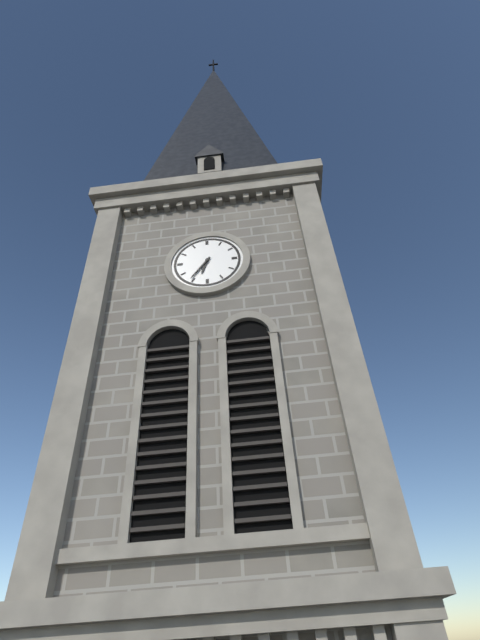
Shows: 6,36
